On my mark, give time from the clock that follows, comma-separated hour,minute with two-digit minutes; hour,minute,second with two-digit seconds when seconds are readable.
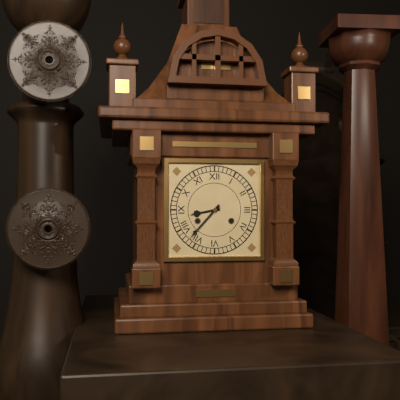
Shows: 8,37
